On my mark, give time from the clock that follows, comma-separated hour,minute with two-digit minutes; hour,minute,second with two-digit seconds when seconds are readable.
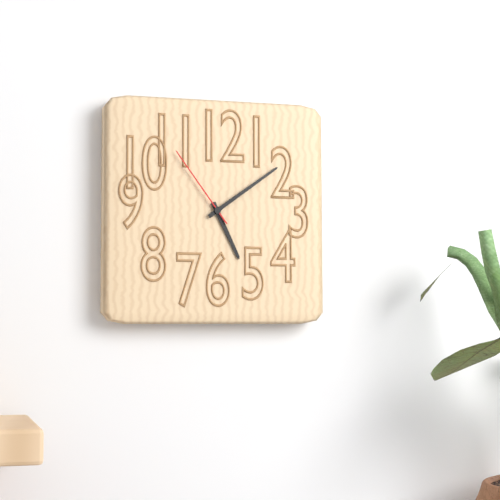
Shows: 5,09,54
